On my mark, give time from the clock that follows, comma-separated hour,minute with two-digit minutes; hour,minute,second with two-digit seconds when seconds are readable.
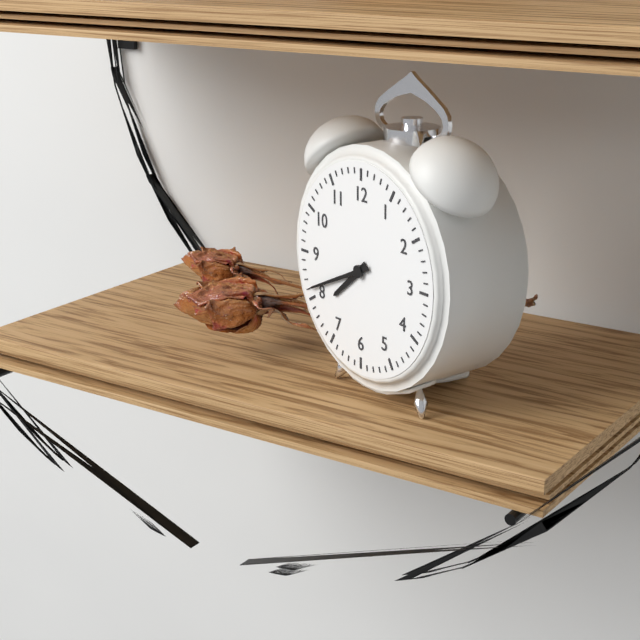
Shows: 7,41
